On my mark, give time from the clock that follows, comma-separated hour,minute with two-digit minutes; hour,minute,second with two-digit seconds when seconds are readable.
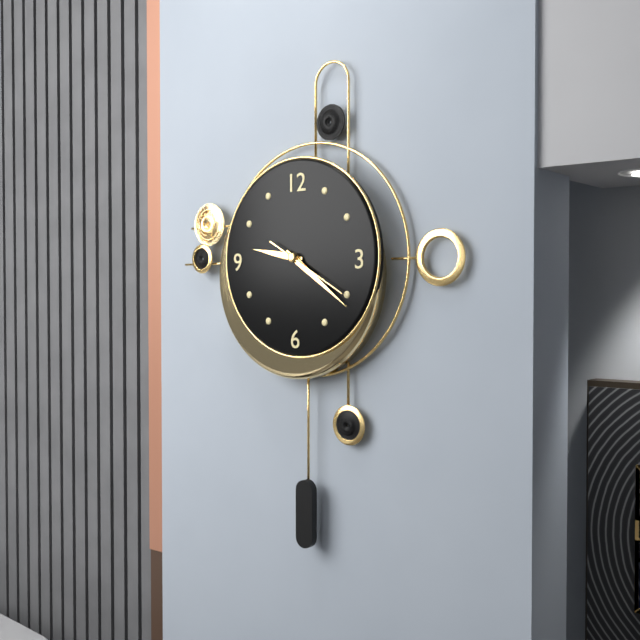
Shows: 9,21,20
